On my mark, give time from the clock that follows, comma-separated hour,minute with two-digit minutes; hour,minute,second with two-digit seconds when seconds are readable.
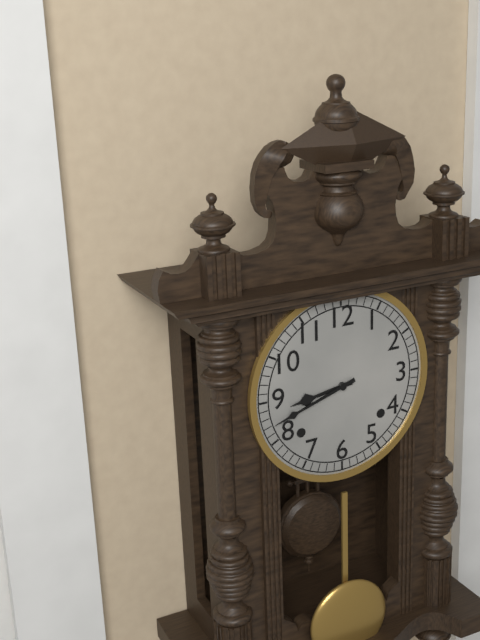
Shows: 8,42
